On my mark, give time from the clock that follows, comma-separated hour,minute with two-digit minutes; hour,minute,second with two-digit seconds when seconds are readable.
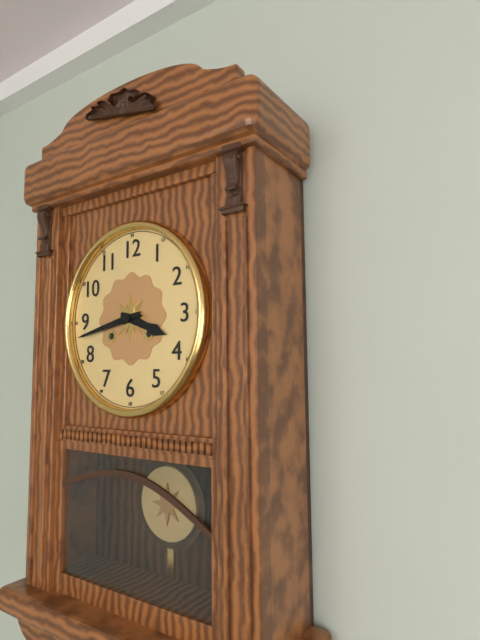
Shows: 3,43
